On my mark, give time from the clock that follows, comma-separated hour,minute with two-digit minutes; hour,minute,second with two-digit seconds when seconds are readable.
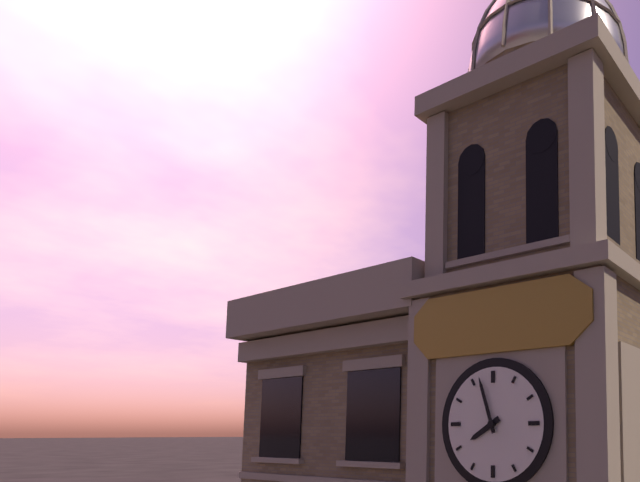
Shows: 7,57
